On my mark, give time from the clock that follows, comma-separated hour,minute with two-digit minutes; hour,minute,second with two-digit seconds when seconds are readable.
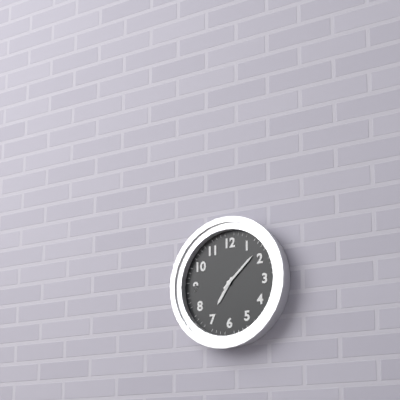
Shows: 7,08
